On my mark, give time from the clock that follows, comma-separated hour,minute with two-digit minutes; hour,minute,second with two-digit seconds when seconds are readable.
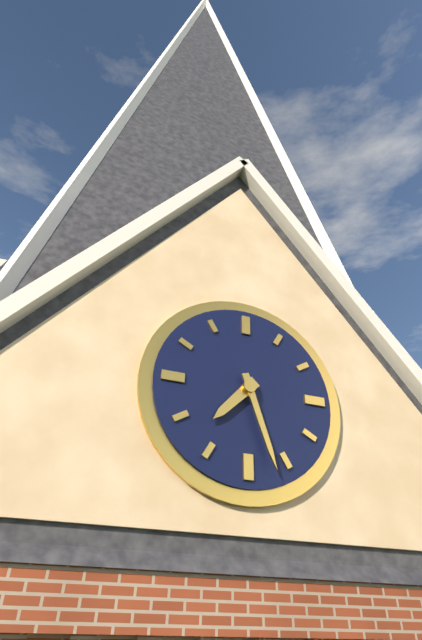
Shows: 7,27
